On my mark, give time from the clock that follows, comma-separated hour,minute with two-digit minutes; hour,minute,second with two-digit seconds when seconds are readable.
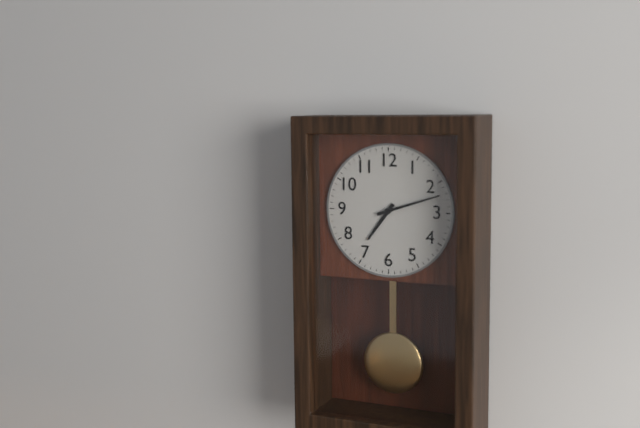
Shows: 7,12
